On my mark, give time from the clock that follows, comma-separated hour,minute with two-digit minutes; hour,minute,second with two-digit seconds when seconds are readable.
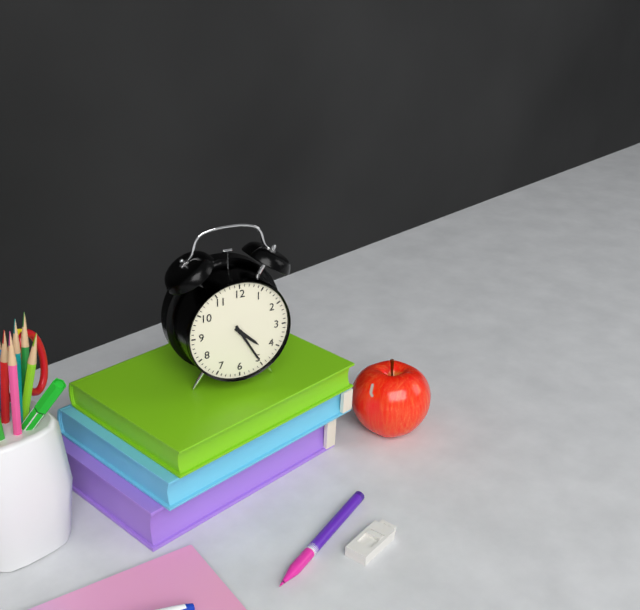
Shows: 4,25
